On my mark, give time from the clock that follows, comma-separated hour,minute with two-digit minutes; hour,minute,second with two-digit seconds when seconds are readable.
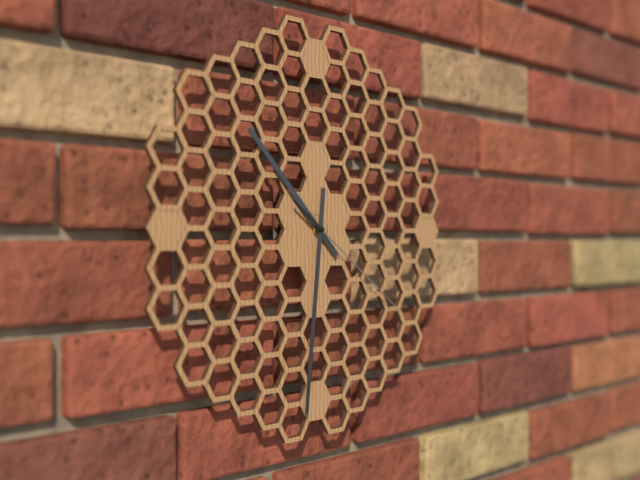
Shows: 10,31,21
